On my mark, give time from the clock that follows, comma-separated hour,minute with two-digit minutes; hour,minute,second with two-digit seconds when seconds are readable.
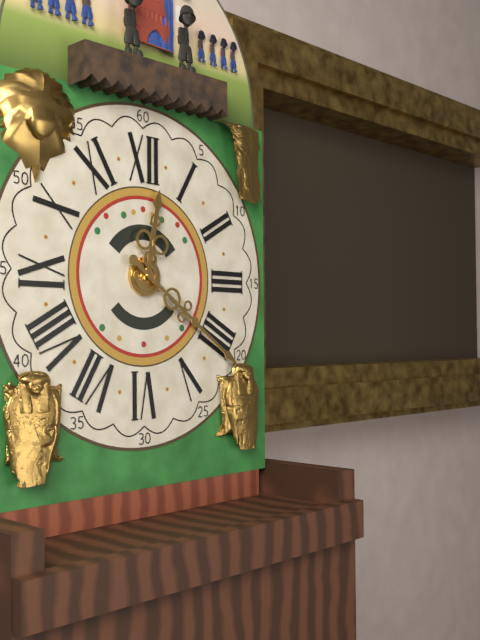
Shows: 12,21
